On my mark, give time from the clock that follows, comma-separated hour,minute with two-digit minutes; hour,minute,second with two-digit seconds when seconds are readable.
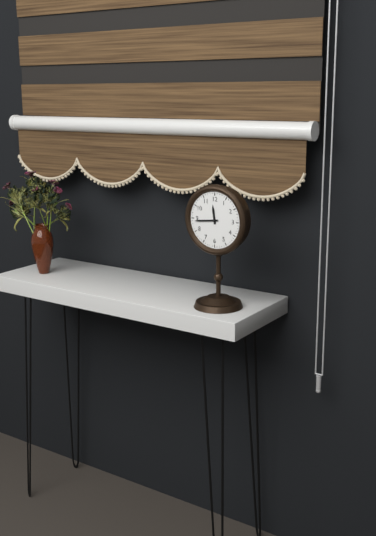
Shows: 11,44
